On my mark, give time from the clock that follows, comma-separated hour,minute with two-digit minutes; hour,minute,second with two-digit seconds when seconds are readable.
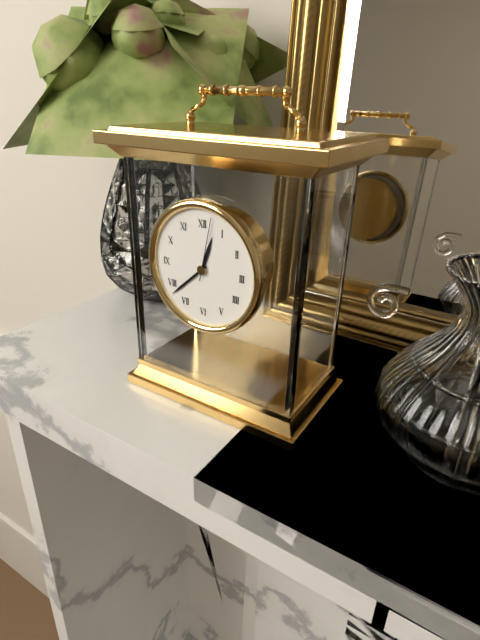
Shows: 12,38,02
